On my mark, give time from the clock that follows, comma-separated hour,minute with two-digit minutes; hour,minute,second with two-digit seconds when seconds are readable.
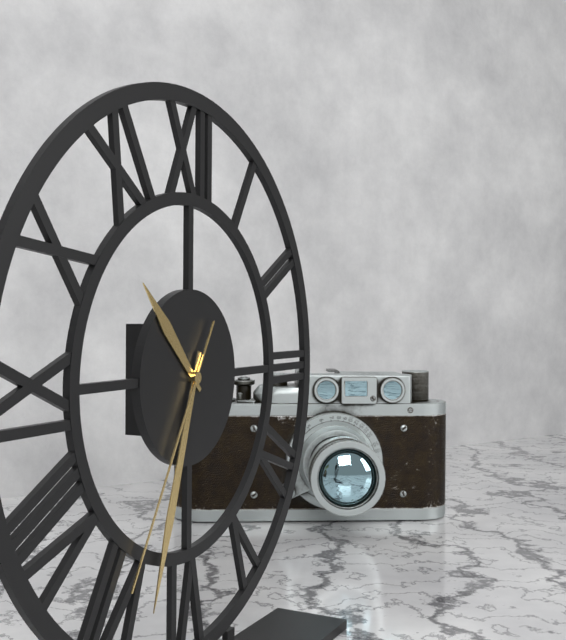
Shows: 10,33,35
